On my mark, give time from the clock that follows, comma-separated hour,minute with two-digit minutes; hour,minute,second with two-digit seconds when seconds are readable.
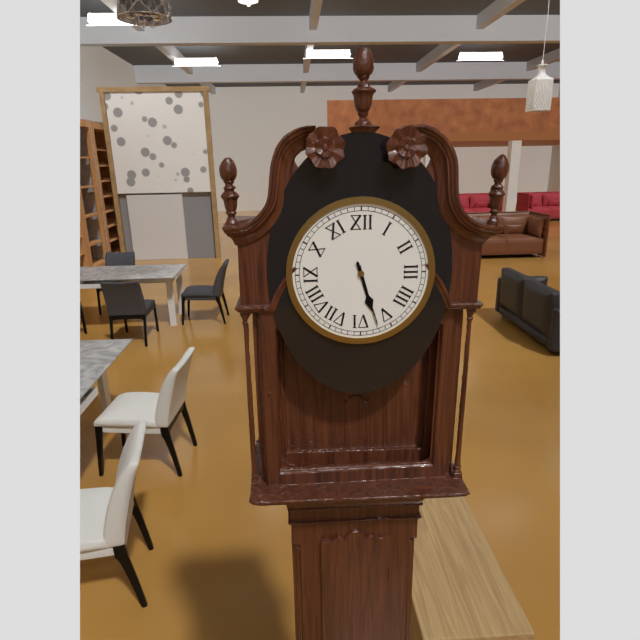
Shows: 5,27
